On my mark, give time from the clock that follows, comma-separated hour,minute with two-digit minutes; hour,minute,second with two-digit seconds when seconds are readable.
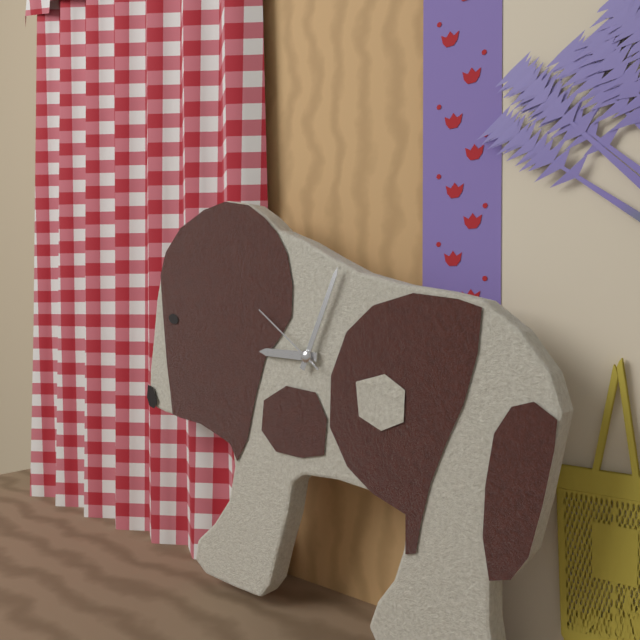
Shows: 9,04,51
